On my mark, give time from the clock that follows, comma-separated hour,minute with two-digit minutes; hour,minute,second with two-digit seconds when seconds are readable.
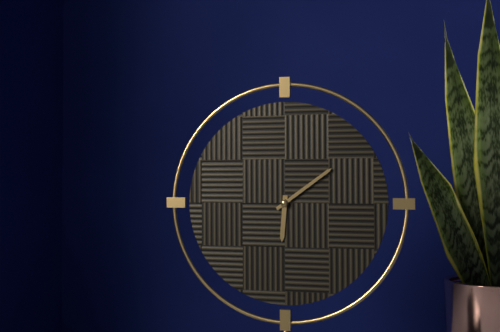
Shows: 6,09
